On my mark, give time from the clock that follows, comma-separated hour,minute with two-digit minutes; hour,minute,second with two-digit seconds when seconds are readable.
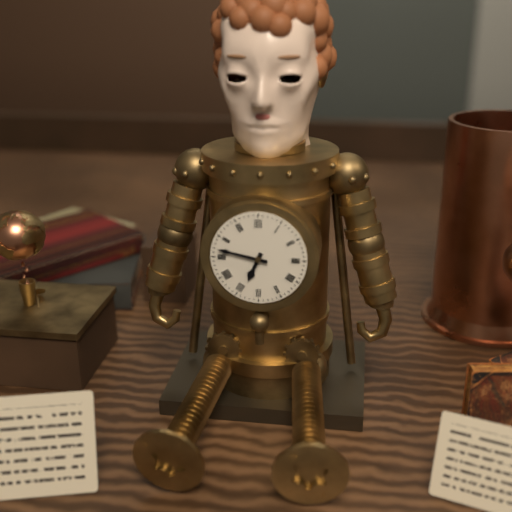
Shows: 6,47
